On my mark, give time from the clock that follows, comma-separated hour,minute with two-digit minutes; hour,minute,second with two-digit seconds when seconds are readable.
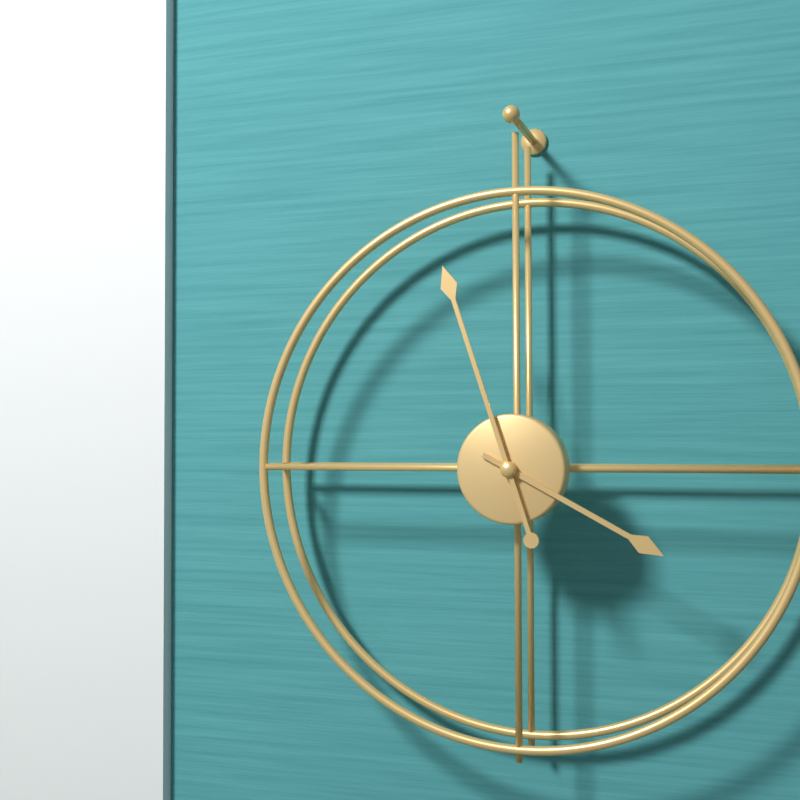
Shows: 3,57
